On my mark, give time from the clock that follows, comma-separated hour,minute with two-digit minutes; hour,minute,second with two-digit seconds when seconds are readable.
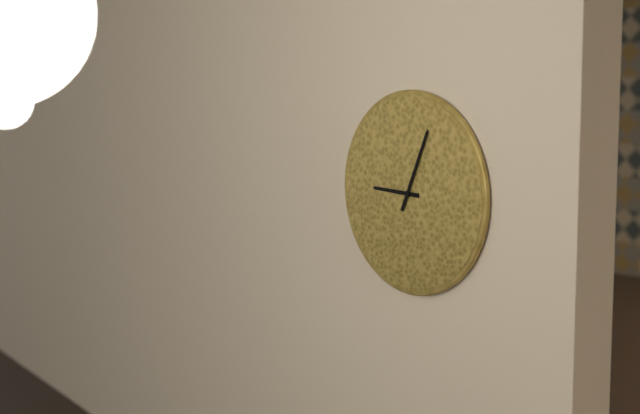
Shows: 9,04
